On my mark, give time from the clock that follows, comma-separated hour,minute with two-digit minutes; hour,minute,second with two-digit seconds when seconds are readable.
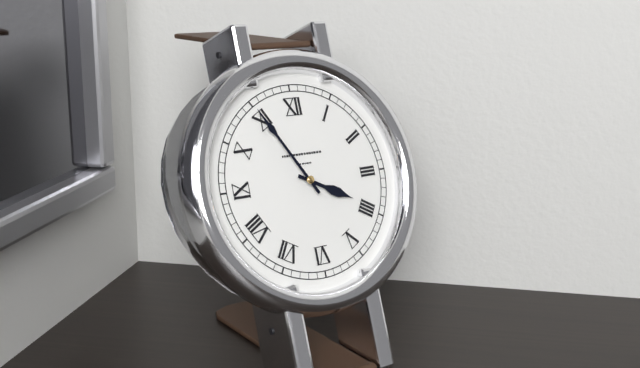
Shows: 3,55
